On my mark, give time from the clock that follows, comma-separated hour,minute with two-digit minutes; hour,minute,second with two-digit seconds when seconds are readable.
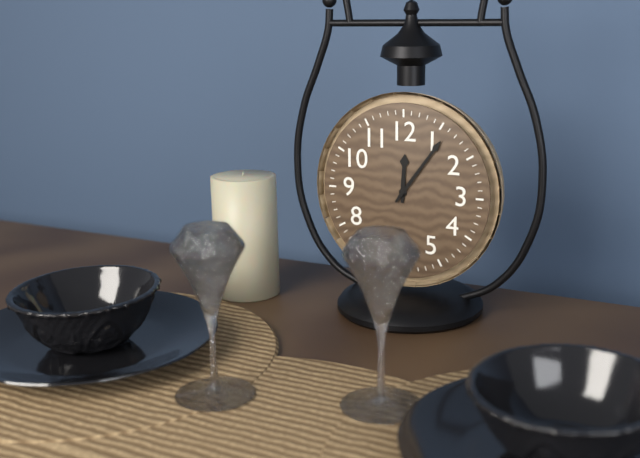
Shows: 12,06
